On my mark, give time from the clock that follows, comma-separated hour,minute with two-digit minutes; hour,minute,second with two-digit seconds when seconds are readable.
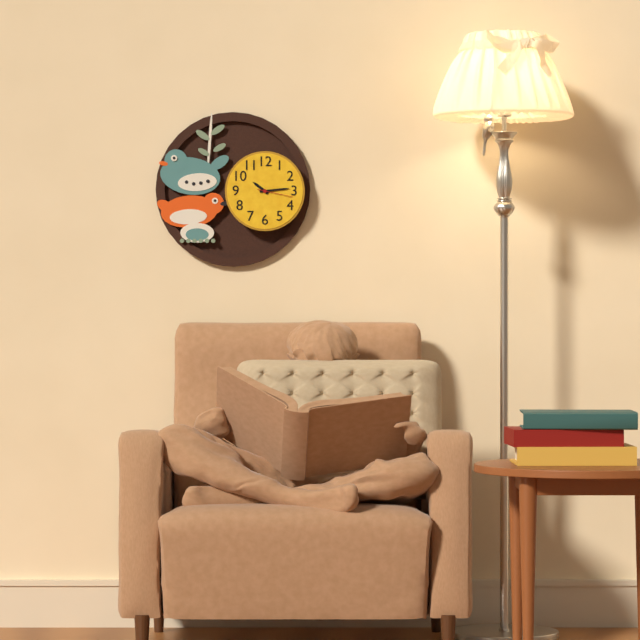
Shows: 10,14
